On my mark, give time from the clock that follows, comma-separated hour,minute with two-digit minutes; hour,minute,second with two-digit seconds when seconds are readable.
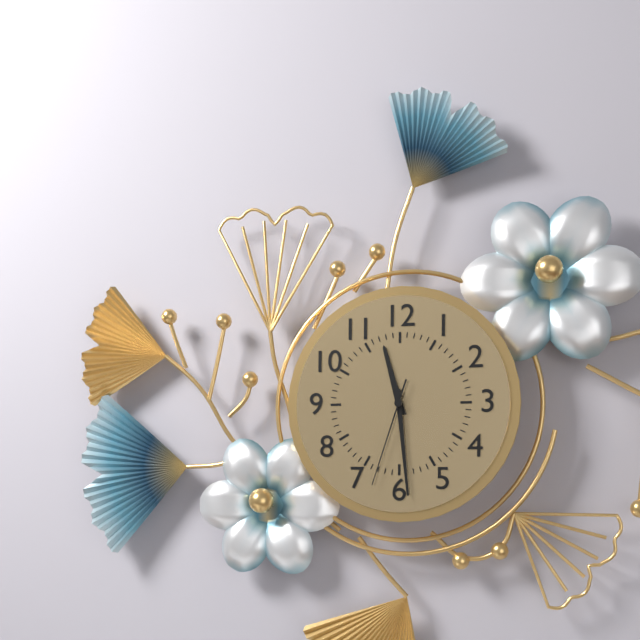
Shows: 11,29,33
